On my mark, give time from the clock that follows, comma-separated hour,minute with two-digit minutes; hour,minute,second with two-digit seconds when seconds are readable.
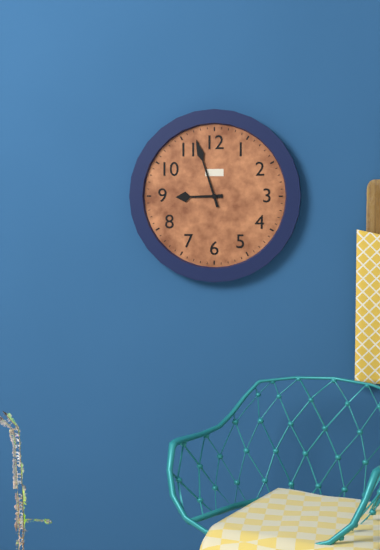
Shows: 8,57
